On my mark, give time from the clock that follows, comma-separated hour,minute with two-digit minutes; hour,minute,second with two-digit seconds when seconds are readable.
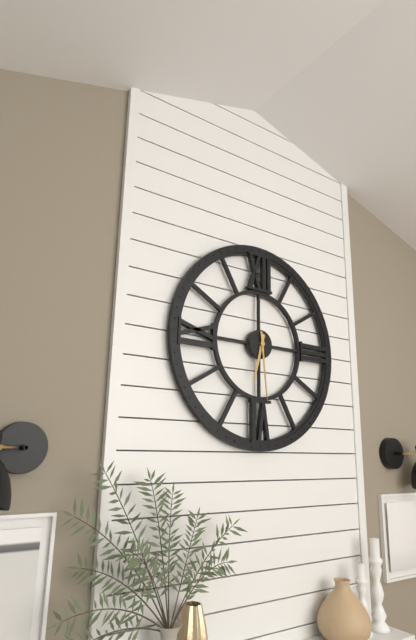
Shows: 6,29
